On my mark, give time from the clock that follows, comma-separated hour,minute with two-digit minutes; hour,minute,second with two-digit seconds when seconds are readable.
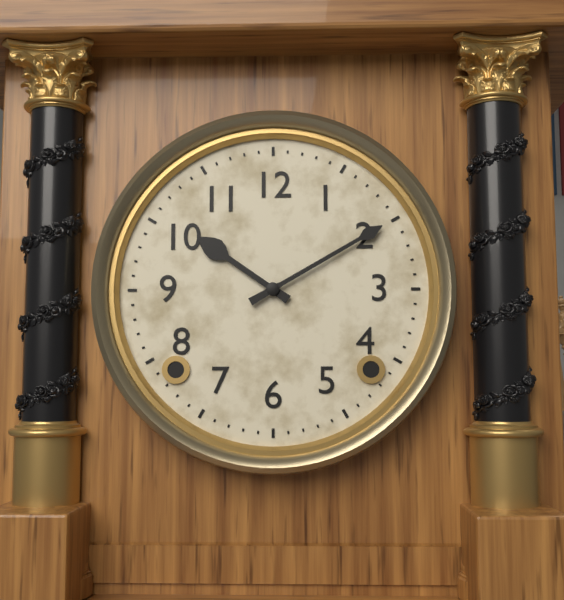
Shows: 10,10
